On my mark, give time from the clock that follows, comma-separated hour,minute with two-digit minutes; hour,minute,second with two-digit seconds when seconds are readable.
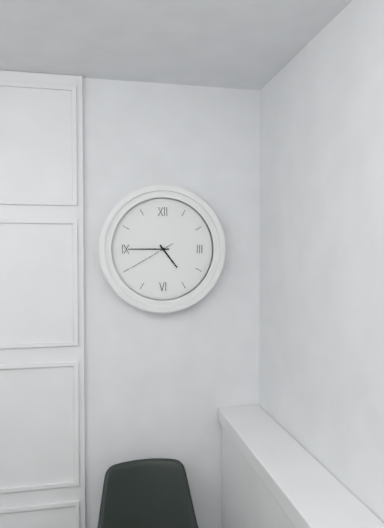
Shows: 4,45
